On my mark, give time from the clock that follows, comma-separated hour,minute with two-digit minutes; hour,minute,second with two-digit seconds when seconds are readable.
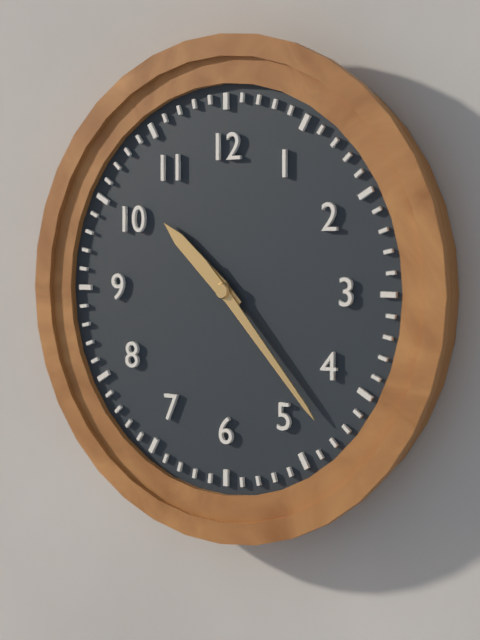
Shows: 10,23
